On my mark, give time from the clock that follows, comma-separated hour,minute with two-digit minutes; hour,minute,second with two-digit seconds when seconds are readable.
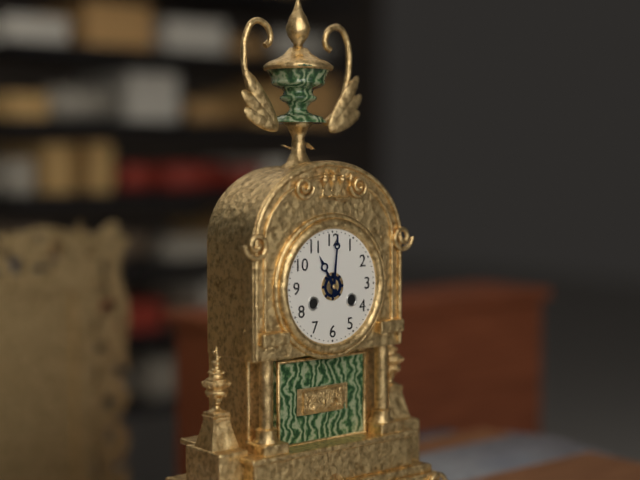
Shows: 11,01
